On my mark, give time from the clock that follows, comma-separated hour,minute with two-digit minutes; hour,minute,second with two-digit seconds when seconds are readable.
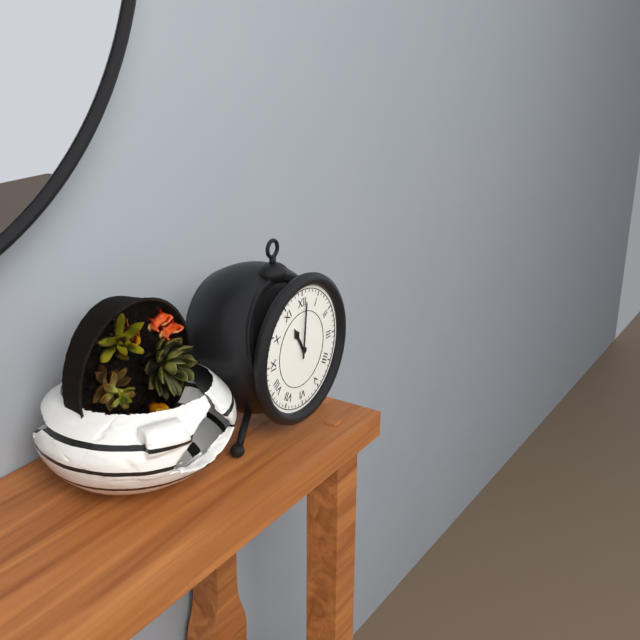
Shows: 11,01
